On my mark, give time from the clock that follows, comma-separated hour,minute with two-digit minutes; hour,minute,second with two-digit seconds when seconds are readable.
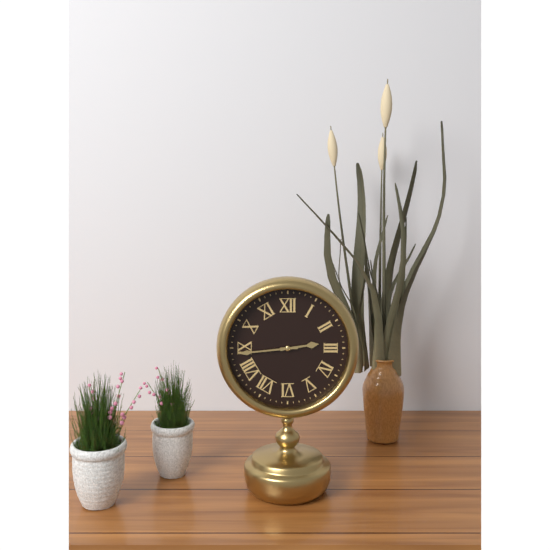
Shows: 2,44
